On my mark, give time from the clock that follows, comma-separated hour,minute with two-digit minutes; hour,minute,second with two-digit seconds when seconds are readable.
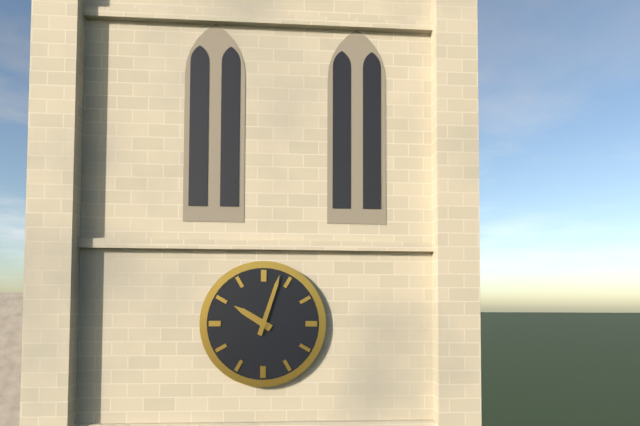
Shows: 10,03
